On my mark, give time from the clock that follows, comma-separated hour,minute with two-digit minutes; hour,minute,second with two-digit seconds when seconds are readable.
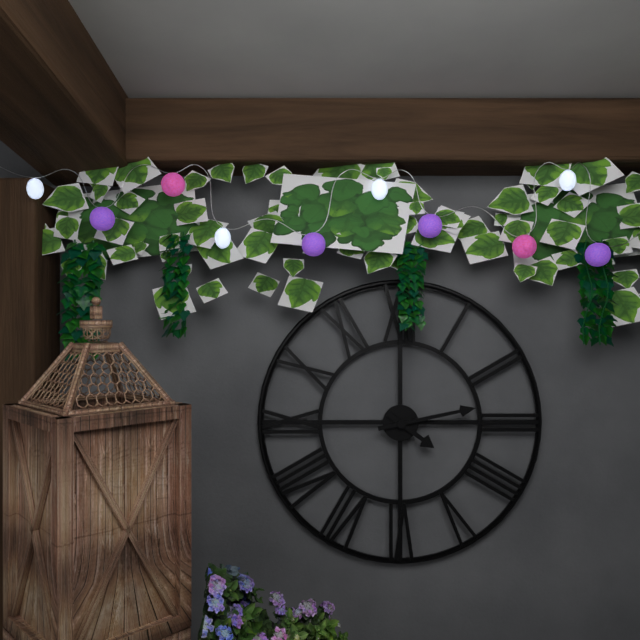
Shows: 4,13
